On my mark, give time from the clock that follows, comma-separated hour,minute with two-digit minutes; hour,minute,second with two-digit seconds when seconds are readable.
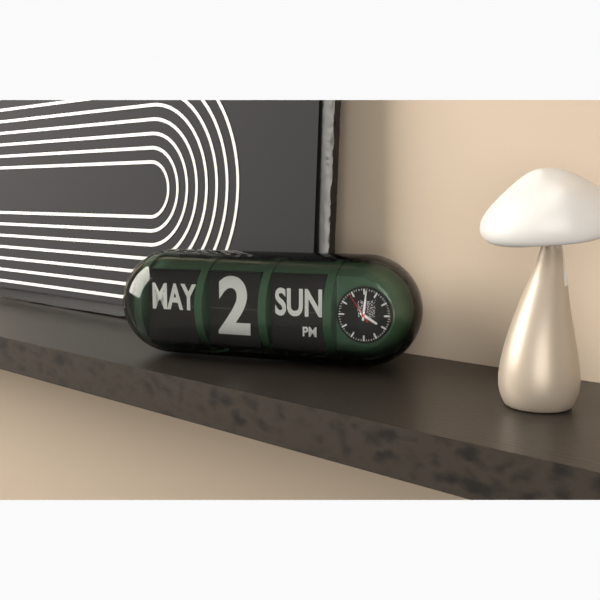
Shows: 4,01
